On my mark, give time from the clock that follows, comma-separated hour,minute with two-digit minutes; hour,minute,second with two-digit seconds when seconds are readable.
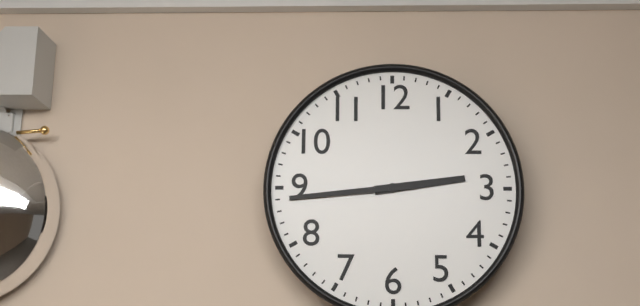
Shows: 2,44
